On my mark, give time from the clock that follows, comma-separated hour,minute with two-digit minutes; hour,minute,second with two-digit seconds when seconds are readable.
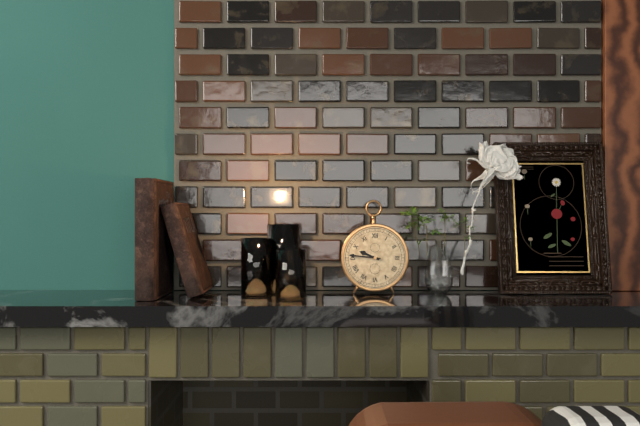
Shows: 9,46
